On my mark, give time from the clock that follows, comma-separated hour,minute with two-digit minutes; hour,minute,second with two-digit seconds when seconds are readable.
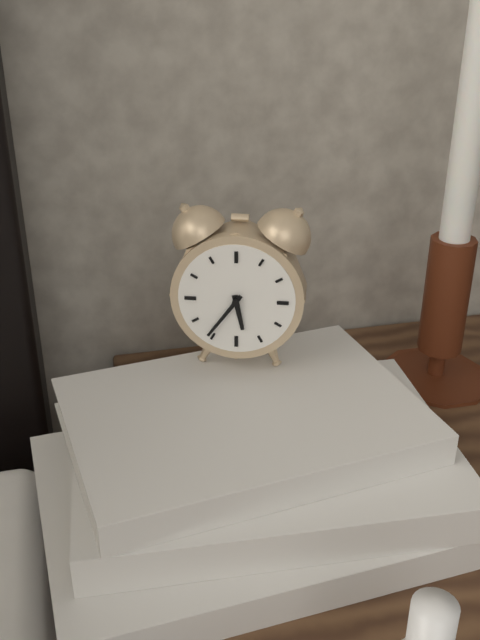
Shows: 5,36
